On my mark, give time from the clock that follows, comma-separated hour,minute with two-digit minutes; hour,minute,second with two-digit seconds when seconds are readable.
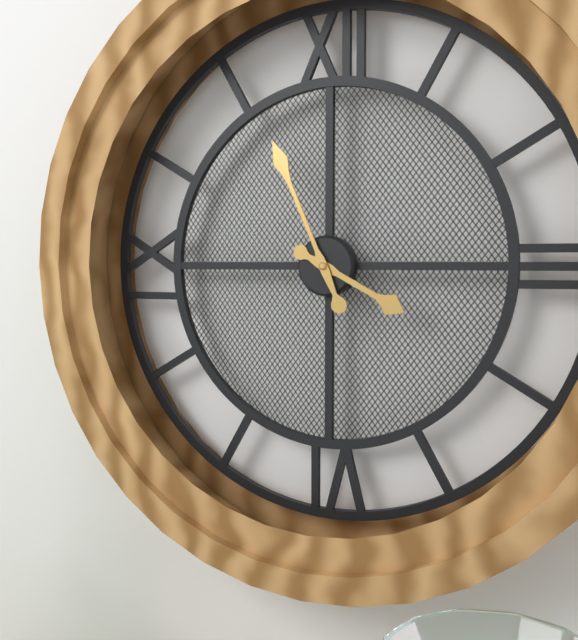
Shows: 3,56
